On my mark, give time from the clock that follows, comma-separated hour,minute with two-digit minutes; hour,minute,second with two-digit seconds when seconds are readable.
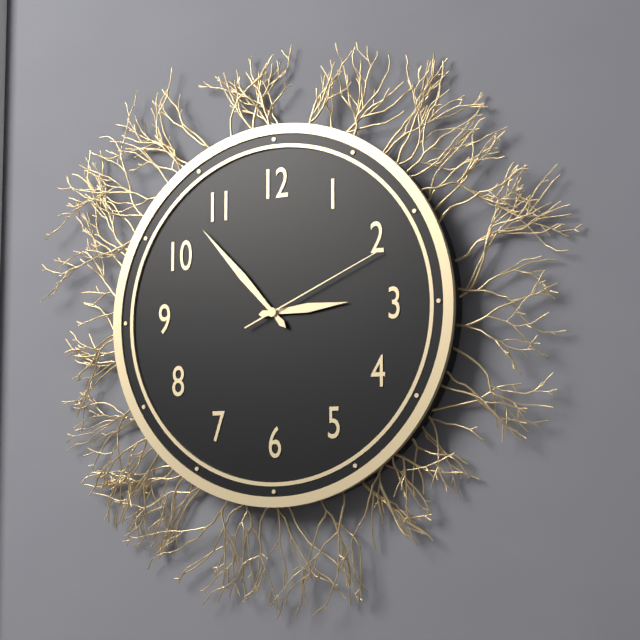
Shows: 2,53,11
